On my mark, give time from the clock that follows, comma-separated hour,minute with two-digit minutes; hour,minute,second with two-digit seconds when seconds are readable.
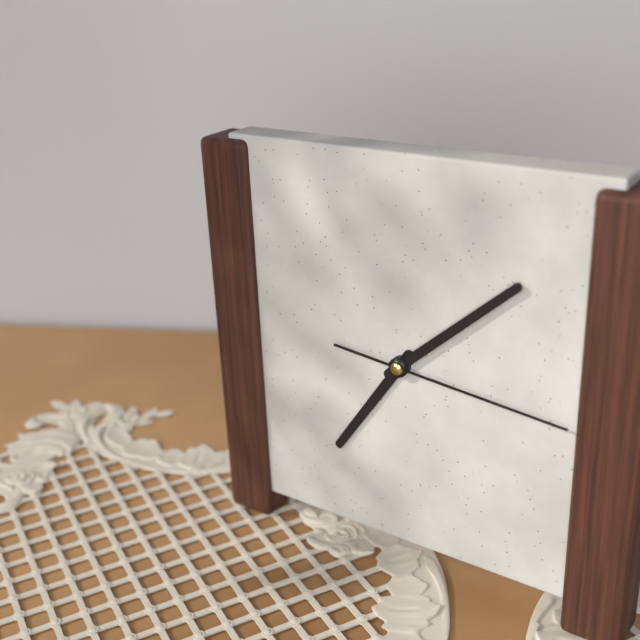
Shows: 7,08,16
